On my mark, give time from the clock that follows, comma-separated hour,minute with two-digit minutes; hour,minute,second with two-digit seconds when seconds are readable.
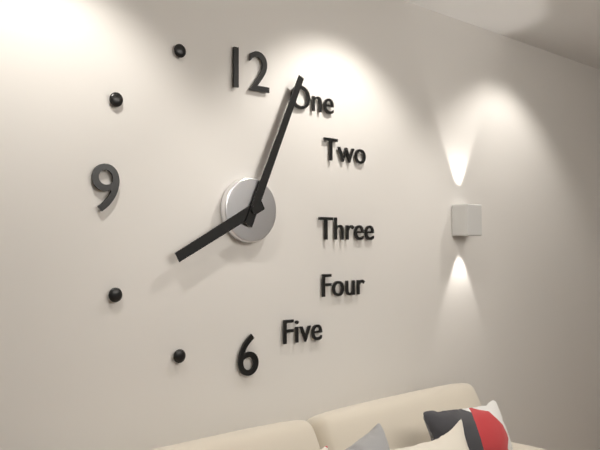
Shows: 8,04
